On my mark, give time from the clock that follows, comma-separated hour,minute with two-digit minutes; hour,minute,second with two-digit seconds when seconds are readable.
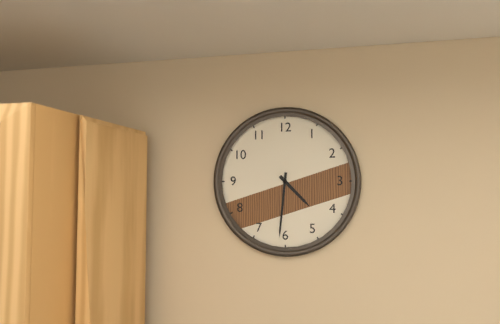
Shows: 4,31
